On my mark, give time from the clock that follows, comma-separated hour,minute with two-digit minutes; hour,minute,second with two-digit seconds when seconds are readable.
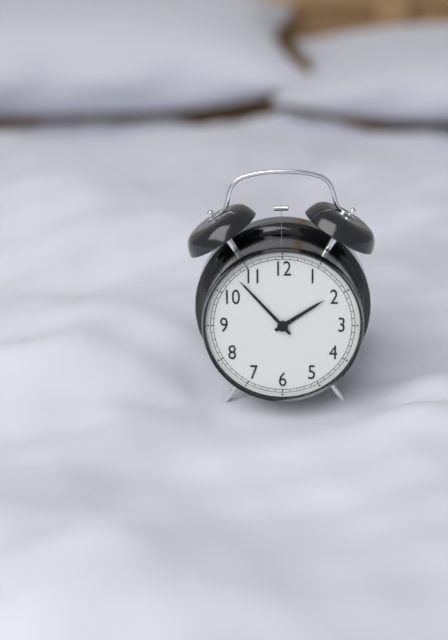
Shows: 1,53
